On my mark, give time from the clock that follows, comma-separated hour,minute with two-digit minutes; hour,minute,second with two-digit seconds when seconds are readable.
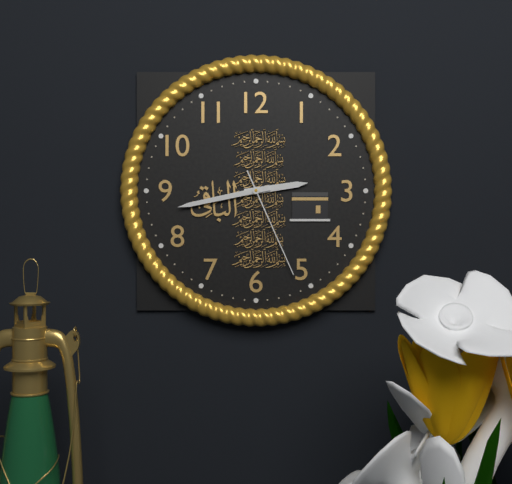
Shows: 2,43,26
